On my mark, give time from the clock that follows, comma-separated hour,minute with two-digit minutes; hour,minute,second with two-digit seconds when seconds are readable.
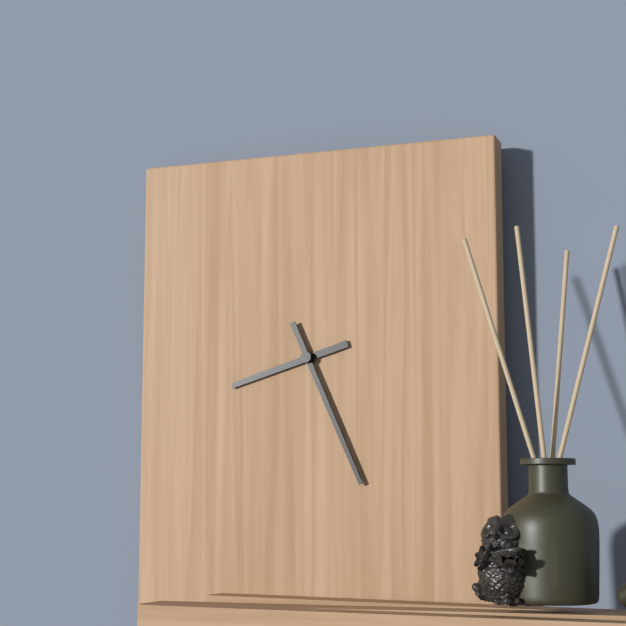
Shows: 8,26
